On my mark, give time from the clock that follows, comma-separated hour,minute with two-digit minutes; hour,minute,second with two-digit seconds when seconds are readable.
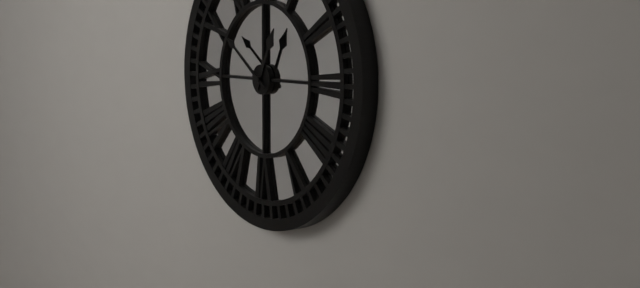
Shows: 12,51
